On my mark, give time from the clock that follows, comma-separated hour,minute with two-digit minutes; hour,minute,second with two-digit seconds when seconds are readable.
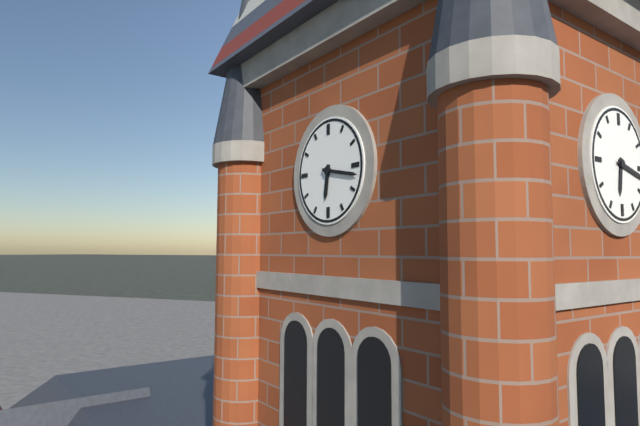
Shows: 6,17
